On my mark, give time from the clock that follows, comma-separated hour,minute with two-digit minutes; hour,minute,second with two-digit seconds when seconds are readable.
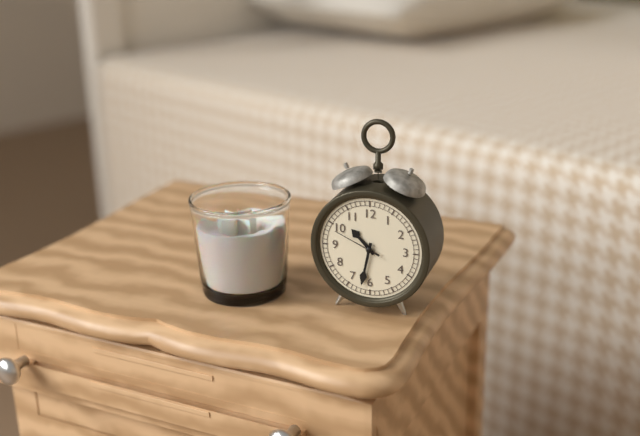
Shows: 10,32
